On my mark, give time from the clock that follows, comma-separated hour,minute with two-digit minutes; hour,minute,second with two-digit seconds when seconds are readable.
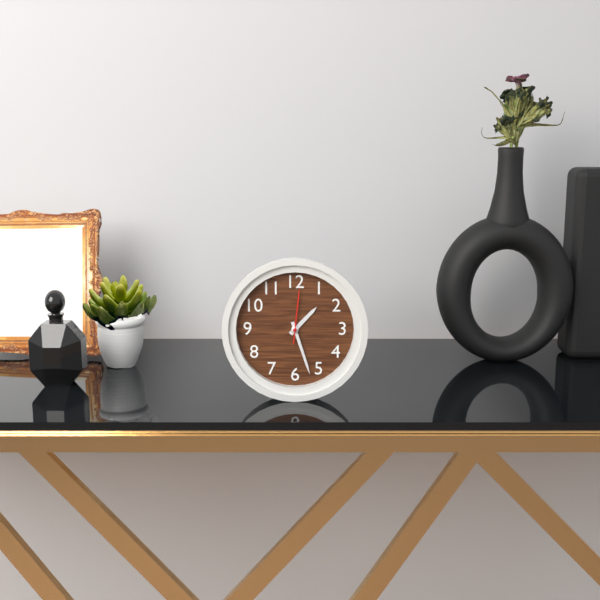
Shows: 1,27,01
